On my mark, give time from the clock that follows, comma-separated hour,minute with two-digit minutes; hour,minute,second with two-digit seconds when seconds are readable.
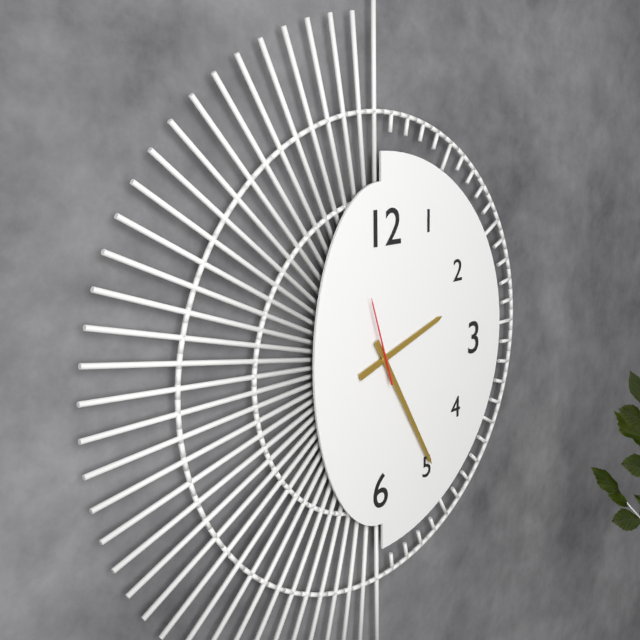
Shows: 2,25,57
